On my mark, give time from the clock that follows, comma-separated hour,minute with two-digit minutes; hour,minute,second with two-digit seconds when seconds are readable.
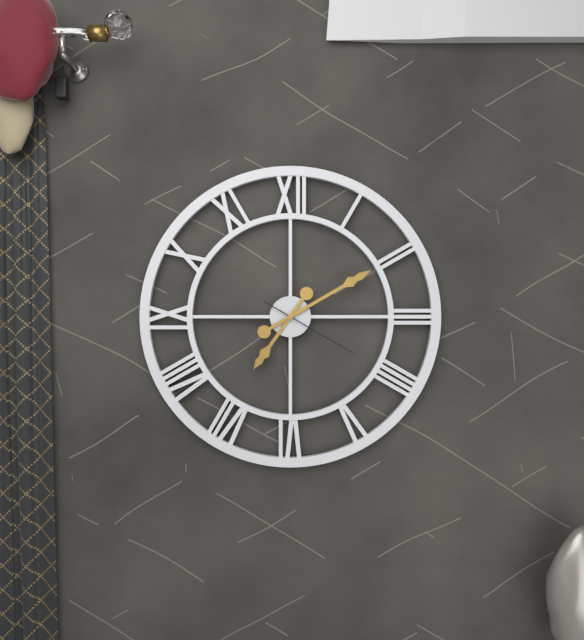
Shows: 7,10,20
